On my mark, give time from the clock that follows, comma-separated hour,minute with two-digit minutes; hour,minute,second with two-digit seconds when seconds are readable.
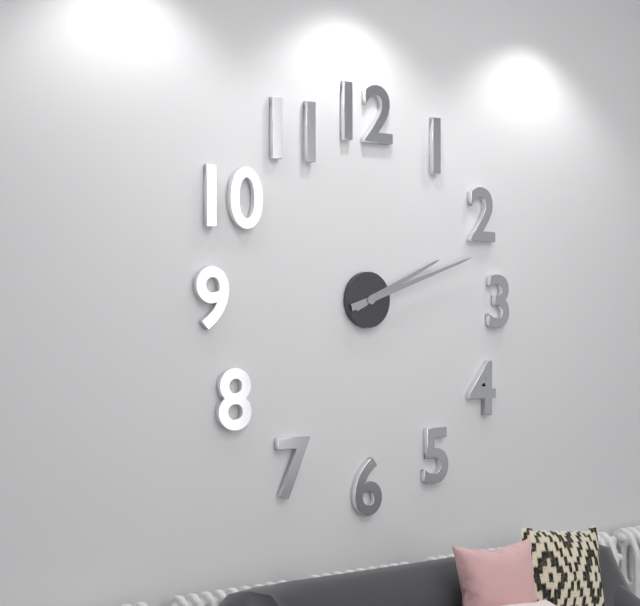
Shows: 2,12
